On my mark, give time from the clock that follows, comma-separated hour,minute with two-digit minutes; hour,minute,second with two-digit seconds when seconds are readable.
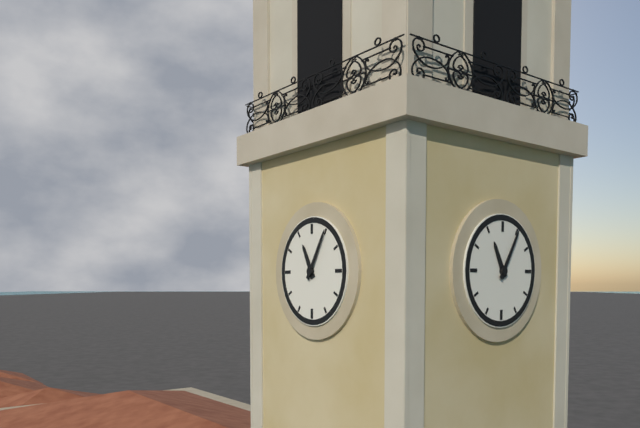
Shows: 11,05
